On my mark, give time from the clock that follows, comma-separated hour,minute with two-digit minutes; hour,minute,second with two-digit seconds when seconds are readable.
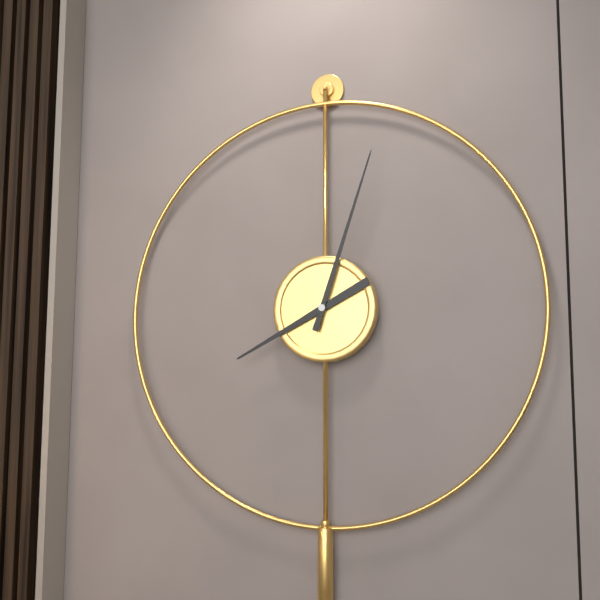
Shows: 8,03
